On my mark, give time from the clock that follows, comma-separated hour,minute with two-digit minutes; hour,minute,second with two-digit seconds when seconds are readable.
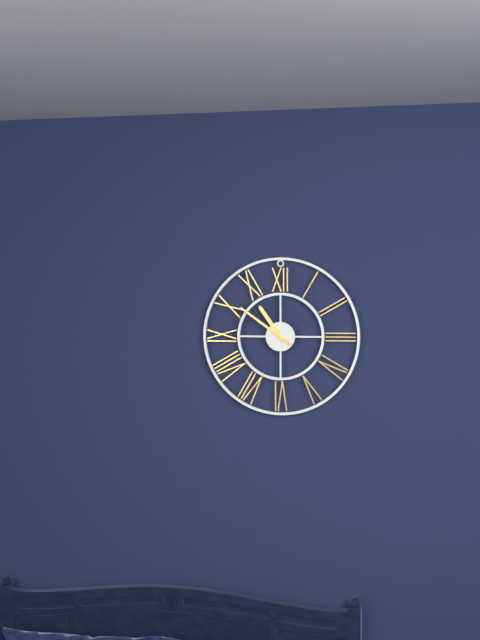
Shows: 10,51
